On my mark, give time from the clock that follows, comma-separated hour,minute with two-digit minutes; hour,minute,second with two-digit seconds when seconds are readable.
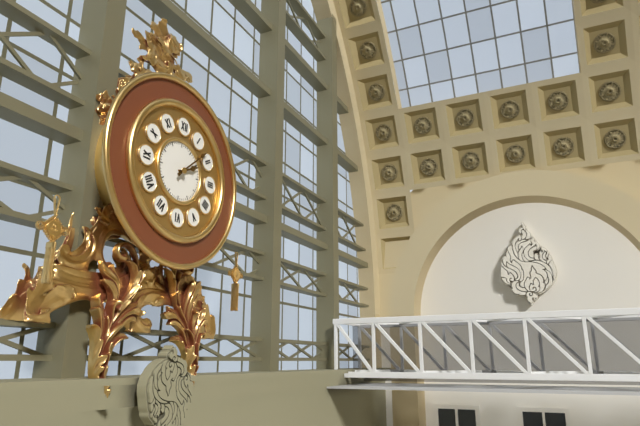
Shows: 2,08
